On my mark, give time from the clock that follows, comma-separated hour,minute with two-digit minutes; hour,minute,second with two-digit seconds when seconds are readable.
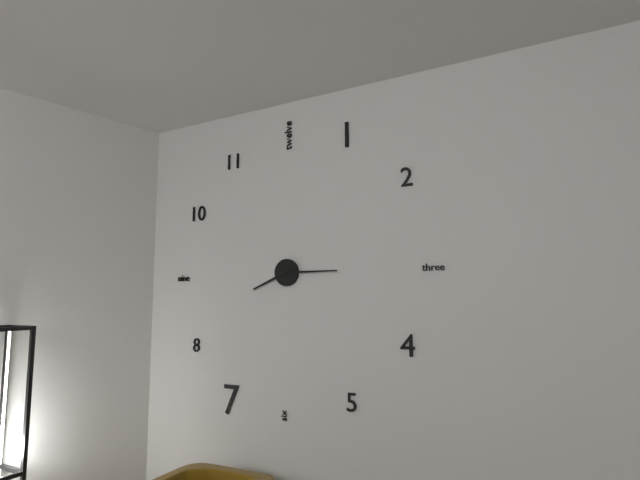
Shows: 8,15
